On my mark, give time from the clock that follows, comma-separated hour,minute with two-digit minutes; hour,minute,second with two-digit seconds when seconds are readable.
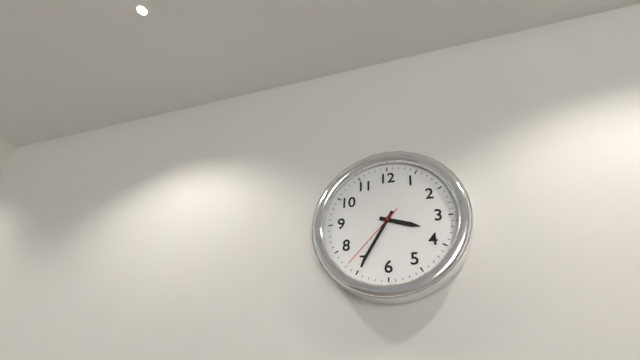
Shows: 3,35,37
